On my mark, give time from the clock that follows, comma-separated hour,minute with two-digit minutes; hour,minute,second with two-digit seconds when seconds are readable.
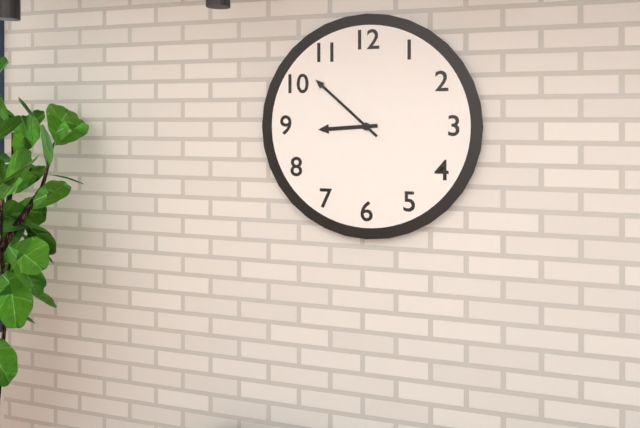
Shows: 8,52
